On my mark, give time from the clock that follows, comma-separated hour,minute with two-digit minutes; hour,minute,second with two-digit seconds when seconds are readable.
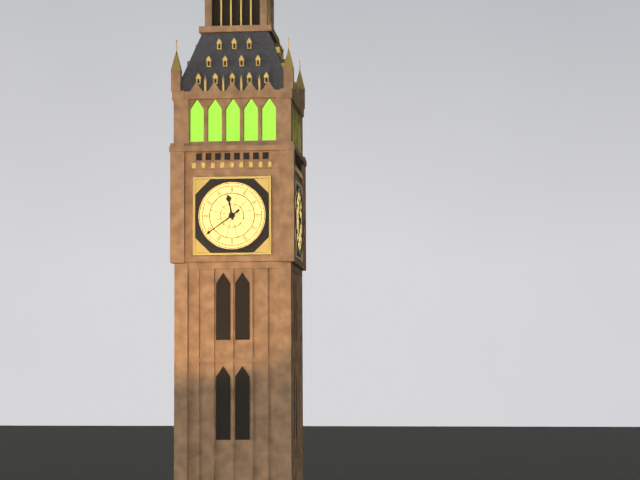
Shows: 11,39
